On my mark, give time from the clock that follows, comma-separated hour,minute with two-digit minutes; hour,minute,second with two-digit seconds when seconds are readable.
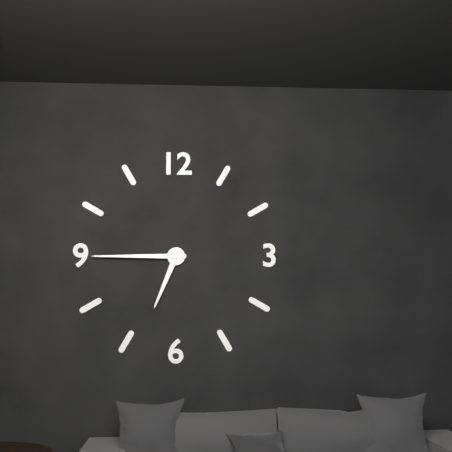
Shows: 6,45
